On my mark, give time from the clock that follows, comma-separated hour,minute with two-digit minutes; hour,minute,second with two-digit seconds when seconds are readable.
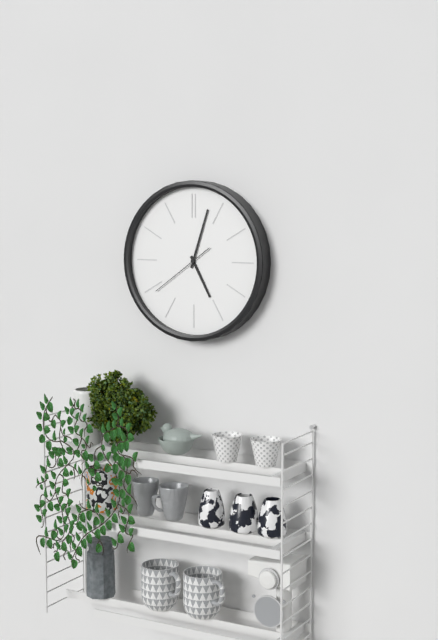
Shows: 5,03,39
